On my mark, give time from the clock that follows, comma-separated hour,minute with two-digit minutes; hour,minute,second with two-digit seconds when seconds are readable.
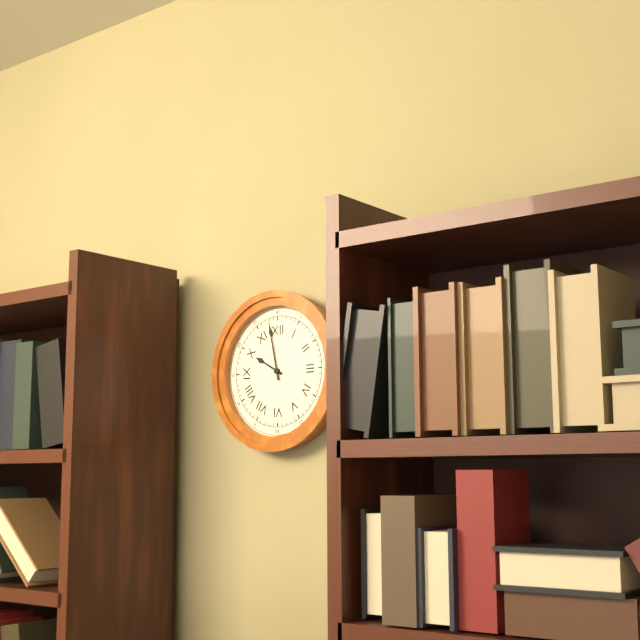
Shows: 9,58
